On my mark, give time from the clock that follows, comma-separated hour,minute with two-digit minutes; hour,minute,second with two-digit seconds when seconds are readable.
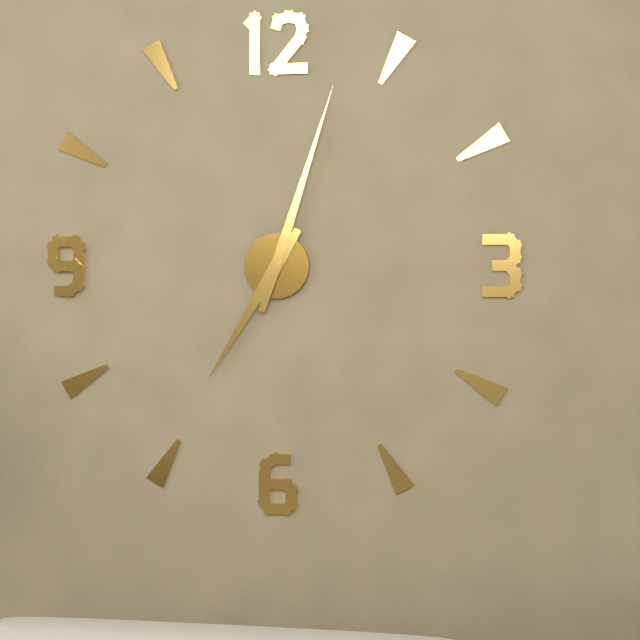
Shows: 7,03
